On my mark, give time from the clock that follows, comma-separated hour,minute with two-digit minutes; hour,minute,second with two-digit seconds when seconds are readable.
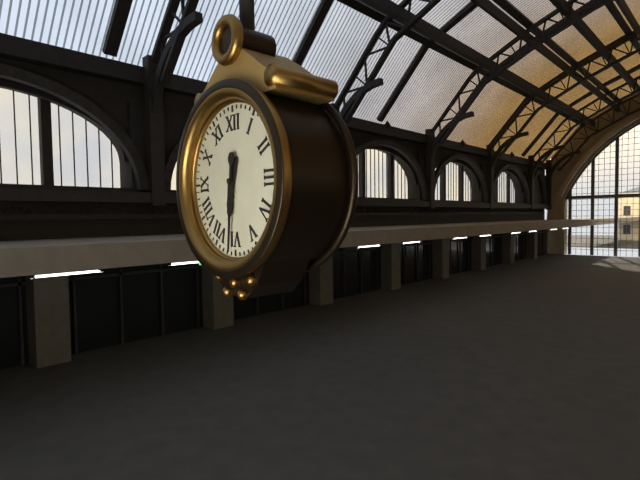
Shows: 6,31
